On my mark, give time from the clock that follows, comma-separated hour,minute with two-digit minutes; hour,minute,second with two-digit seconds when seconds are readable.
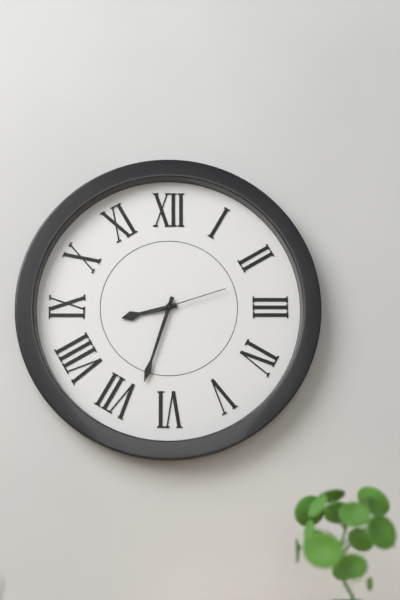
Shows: 8,33,12
